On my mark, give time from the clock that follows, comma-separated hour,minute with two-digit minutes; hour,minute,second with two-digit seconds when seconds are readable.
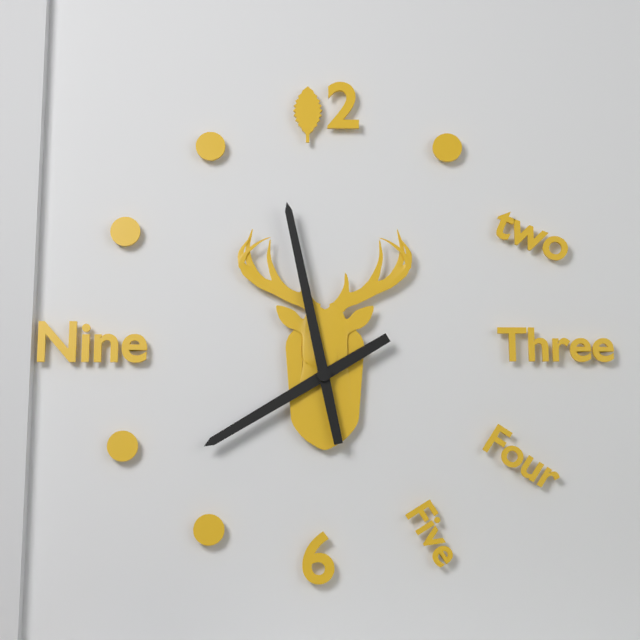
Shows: 7,58
